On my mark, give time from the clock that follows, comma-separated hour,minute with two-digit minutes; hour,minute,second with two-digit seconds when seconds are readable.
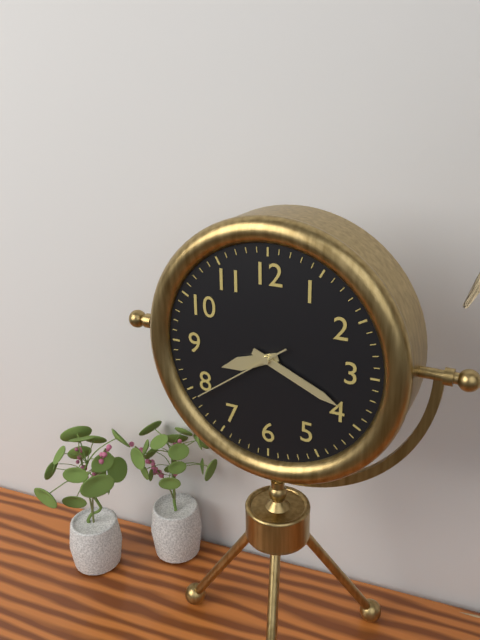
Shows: 8,19,39
